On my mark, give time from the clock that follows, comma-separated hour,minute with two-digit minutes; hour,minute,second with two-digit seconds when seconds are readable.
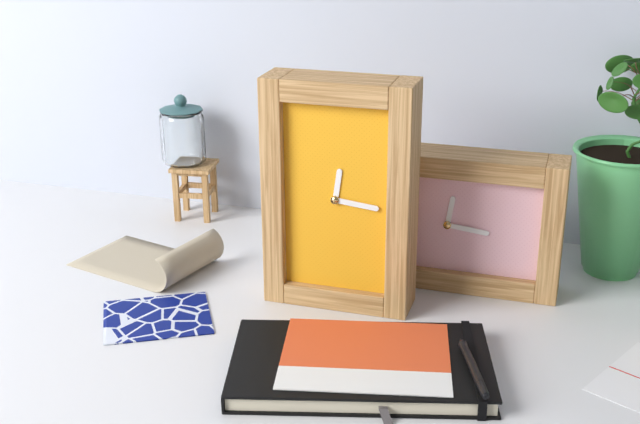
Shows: 12,16
